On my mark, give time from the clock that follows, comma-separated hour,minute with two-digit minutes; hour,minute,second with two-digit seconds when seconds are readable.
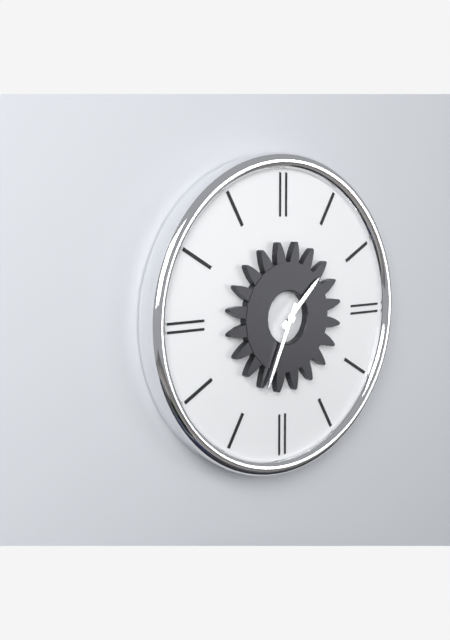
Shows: 1,34
